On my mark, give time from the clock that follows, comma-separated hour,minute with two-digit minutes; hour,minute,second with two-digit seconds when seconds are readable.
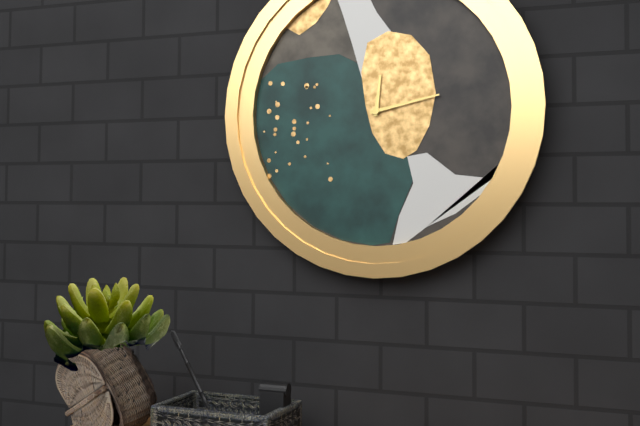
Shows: 12,13
